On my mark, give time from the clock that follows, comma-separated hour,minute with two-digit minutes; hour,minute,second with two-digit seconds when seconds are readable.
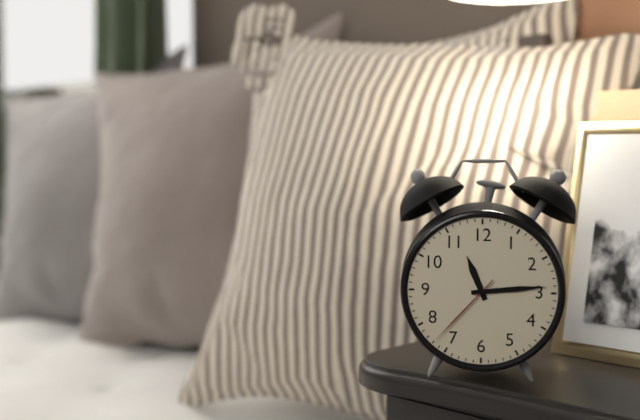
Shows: 11,14,37
